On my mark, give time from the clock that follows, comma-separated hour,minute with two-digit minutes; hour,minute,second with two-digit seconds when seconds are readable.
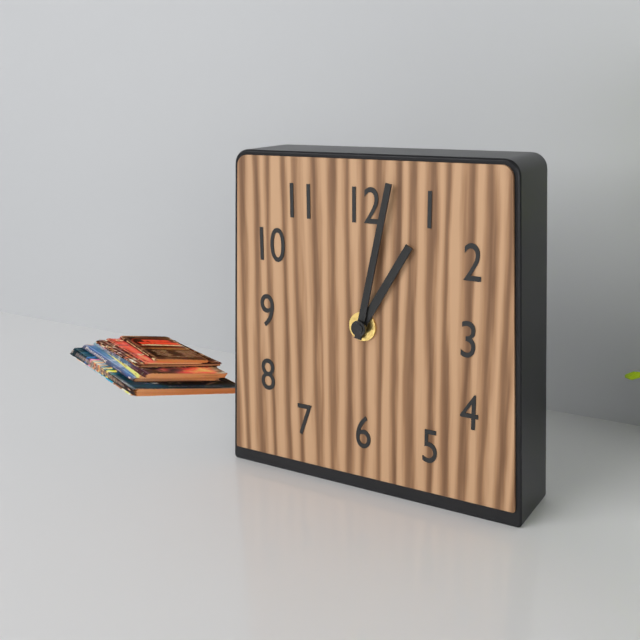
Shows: 1,02
